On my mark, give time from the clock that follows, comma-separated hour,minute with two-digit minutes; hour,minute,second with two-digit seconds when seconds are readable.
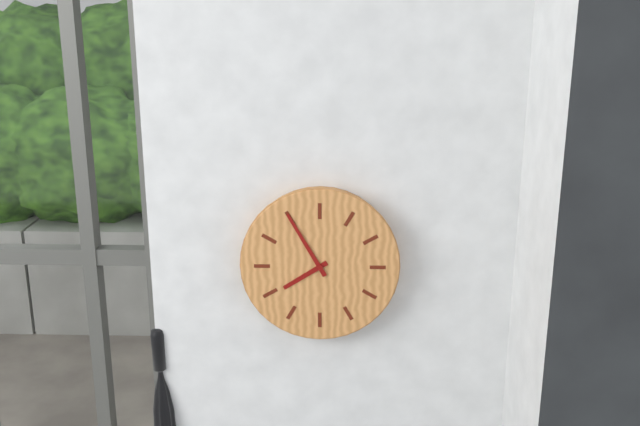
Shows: 7,55
